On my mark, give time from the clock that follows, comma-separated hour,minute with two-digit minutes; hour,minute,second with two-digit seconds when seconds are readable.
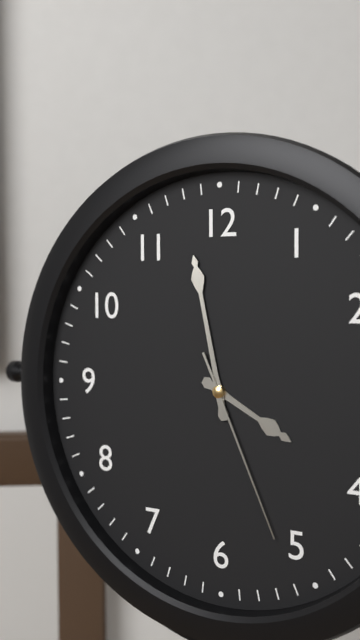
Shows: 3,58,26
